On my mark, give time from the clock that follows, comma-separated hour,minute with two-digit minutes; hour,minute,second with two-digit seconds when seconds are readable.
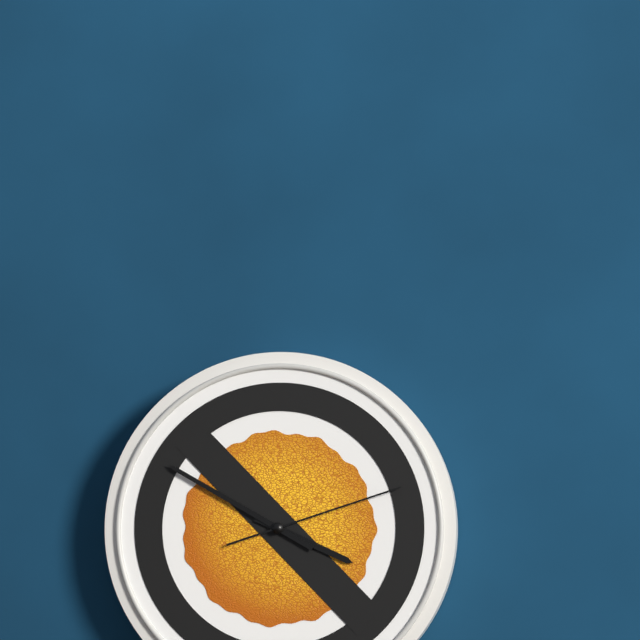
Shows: 3,50,12
